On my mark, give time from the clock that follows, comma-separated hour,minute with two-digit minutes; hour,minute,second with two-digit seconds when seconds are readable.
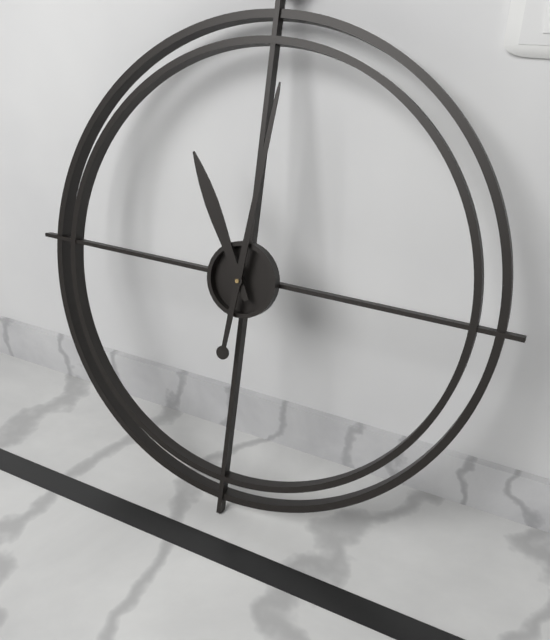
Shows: 11,01
